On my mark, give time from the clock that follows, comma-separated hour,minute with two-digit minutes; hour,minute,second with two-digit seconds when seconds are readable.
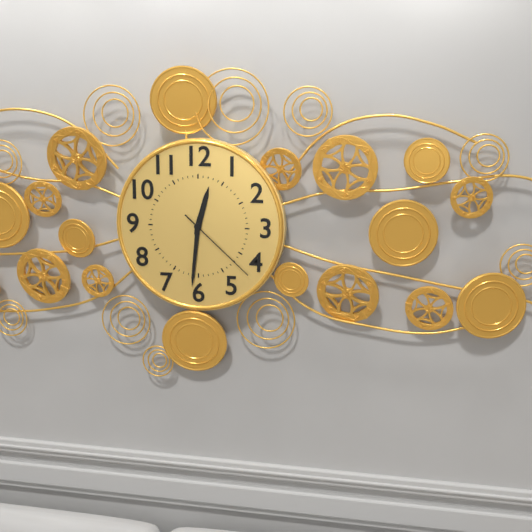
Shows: 12,31,22
